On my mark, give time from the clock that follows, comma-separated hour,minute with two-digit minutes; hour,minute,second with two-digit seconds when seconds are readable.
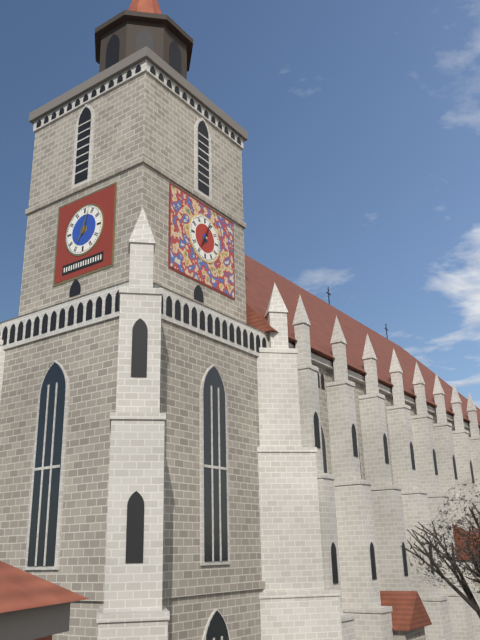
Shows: 7,03
